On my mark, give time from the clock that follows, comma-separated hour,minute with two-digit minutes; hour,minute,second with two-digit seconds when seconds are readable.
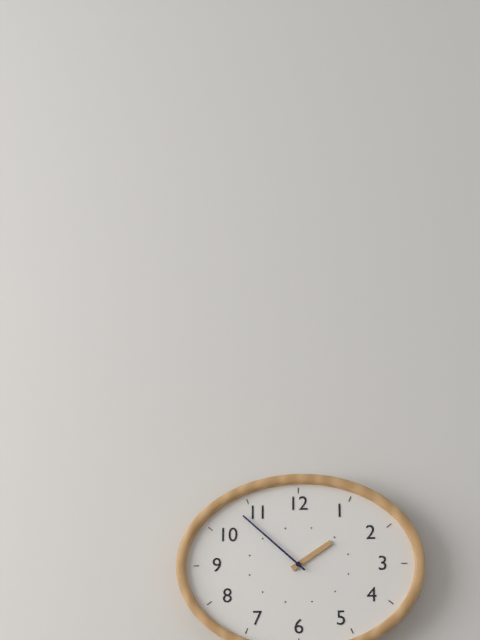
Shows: 1,52
